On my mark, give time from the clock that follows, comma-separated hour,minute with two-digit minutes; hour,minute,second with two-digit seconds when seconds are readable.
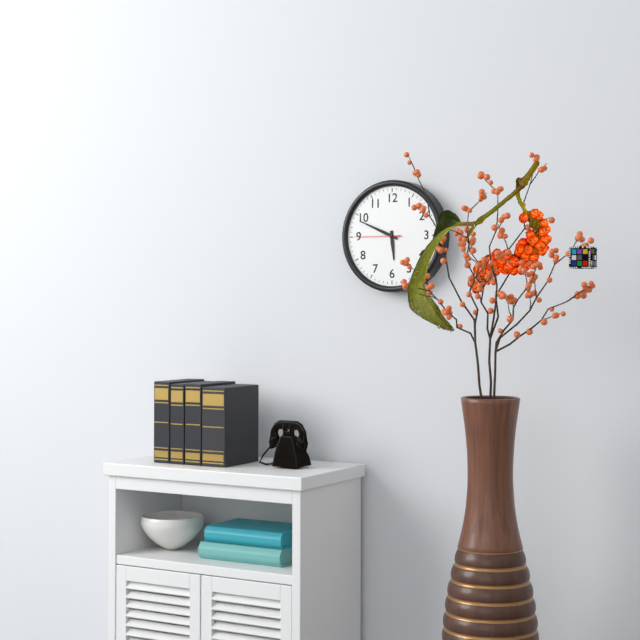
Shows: 5,49
